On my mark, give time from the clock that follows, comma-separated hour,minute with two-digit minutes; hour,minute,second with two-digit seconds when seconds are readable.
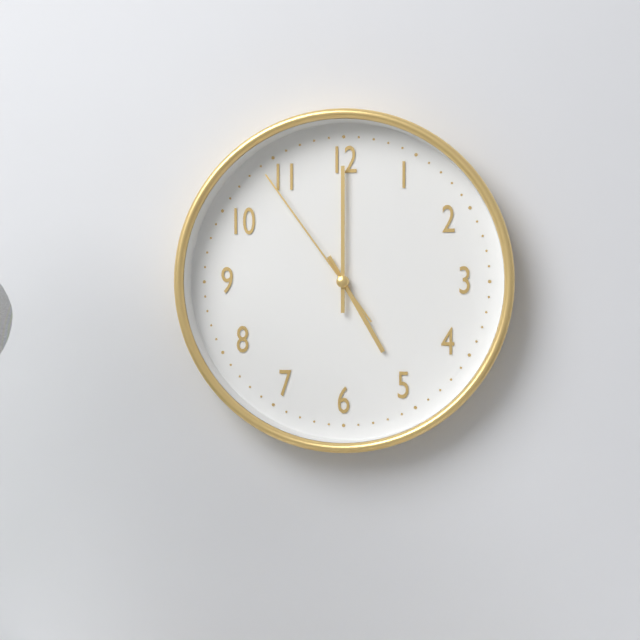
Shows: 5,00,54
